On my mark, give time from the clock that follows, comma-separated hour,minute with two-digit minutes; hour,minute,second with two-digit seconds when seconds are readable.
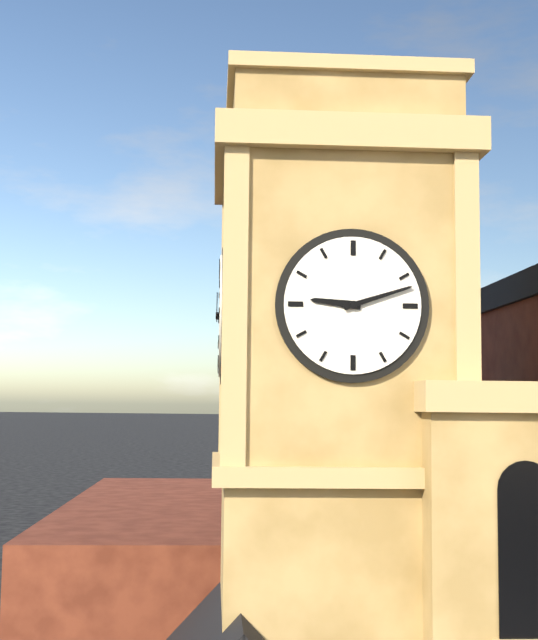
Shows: 9,12
